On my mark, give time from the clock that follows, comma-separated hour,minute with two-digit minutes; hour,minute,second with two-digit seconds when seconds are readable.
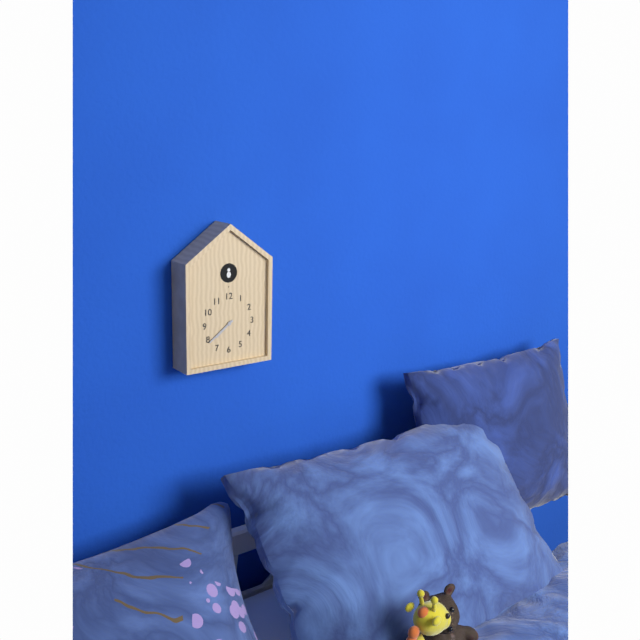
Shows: 7,39
